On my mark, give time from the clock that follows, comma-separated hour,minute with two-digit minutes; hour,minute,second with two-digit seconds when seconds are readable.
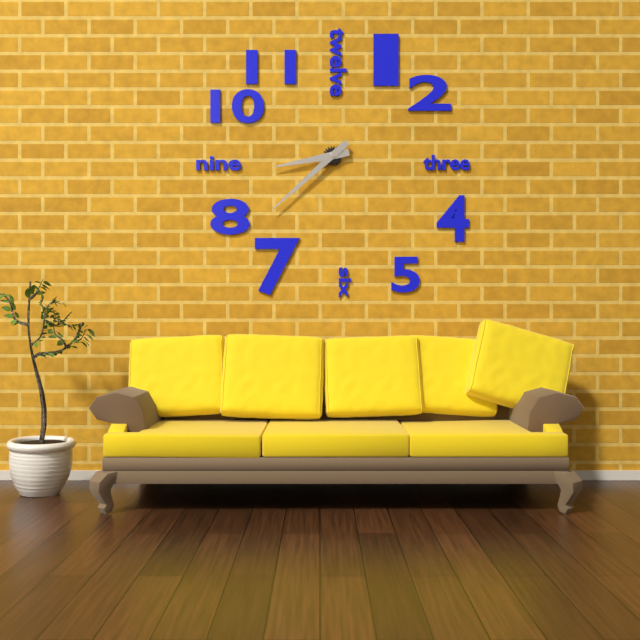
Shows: 8,38
